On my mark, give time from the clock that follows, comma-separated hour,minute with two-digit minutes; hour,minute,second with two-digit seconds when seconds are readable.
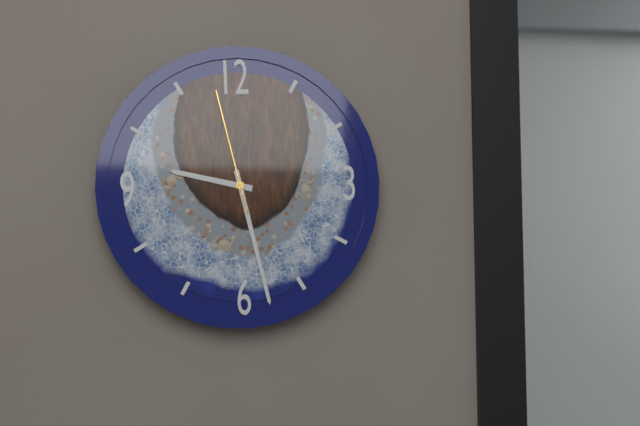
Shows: 9,28,58
